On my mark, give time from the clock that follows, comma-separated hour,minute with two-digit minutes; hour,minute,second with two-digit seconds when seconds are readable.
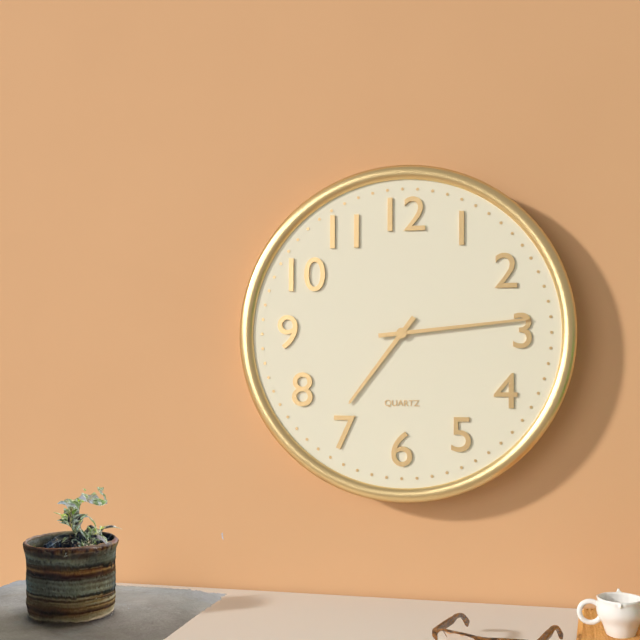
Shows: 7,14
